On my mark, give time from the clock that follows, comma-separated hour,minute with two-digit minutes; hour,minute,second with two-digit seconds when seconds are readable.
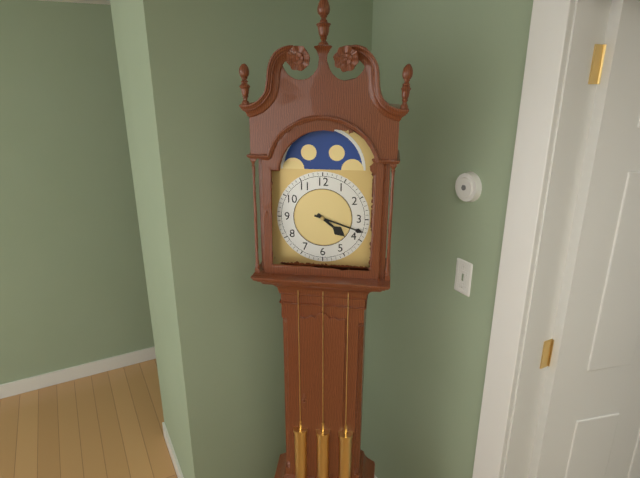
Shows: 4,18
